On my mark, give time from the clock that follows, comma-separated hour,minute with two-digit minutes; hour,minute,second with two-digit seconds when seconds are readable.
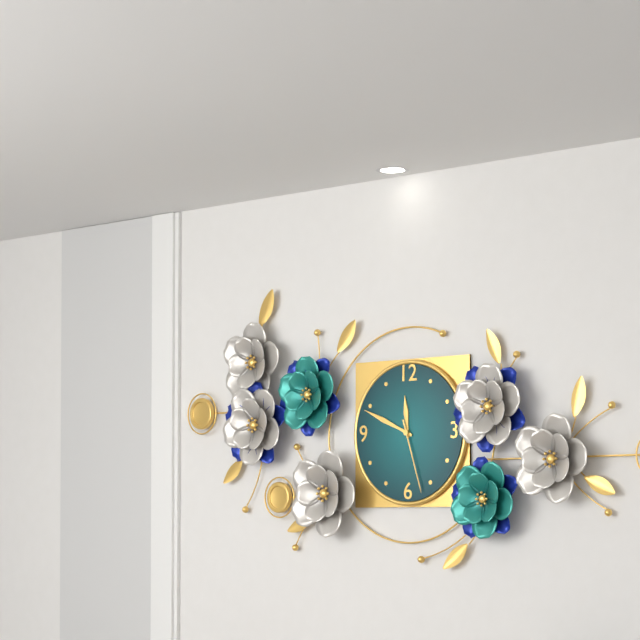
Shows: 11,49,27
